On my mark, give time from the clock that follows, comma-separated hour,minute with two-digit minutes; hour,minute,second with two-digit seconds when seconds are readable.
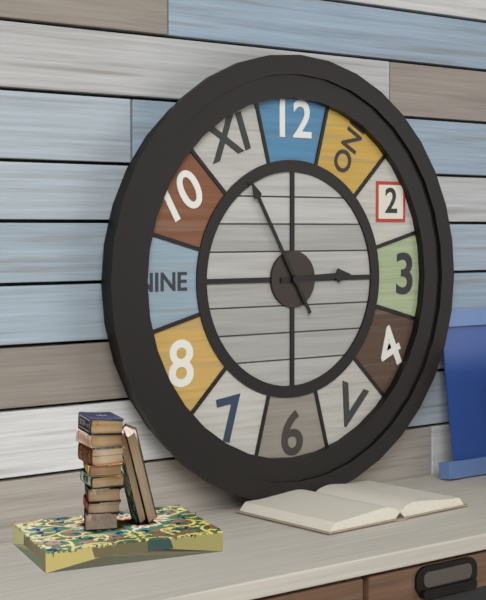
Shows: 2,55
